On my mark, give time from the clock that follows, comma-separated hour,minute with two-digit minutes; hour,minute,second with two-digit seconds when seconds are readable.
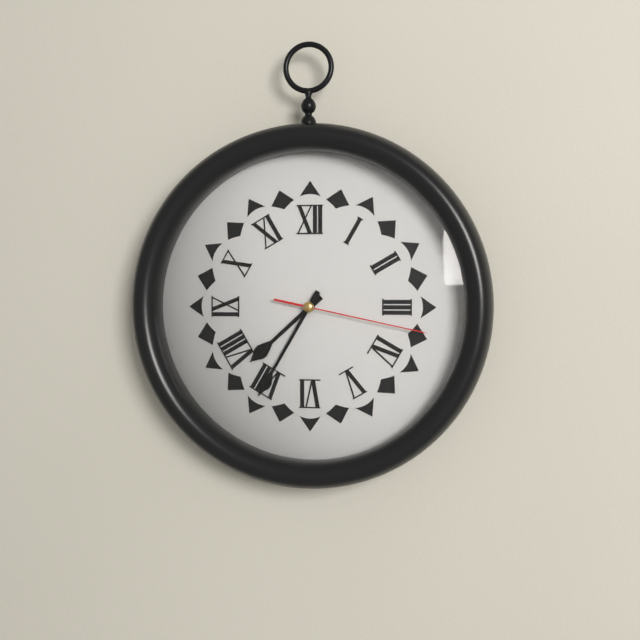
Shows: 7,35,17
